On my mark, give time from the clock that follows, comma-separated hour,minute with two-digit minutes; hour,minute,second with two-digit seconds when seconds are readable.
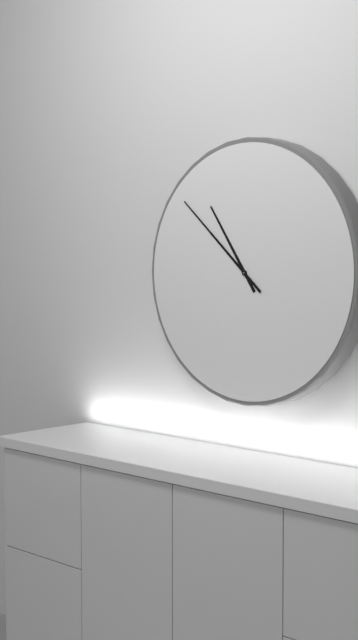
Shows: 10,52
